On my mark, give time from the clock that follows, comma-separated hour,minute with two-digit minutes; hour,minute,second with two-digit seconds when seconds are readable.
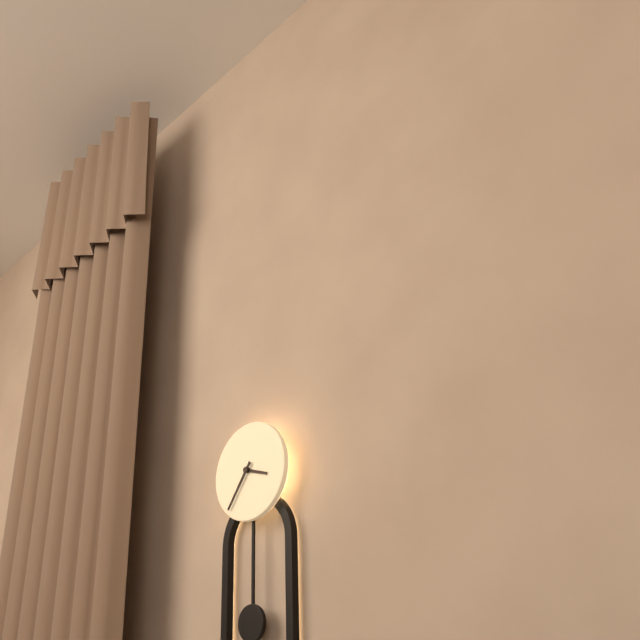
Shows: 3,36
